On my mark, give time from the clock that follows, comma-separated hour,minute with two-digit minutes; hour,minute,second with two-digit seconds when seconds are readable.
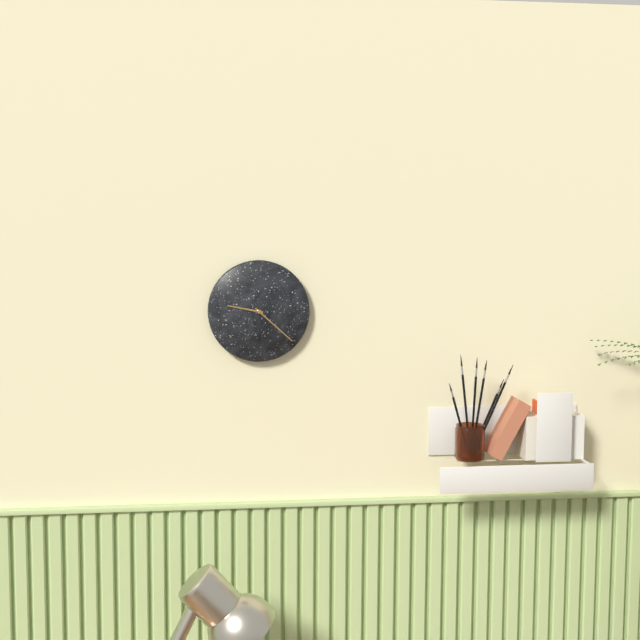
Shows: 9,22
